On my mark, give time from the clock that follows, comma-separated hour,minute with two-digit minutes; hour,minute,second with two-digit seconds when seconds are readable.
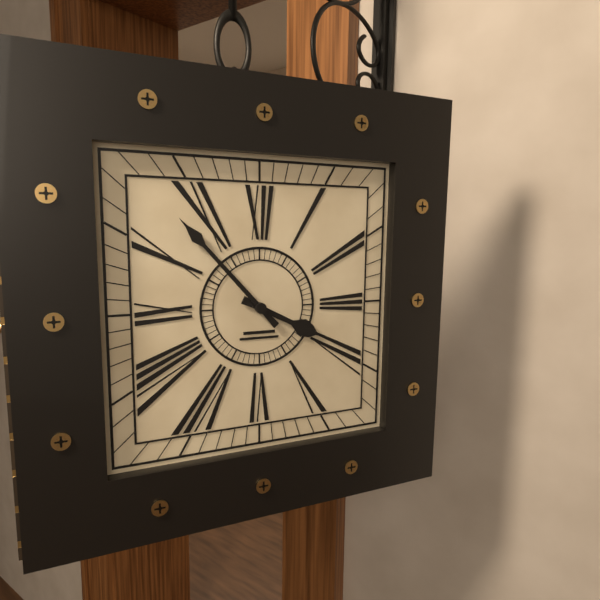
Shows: 3,53
